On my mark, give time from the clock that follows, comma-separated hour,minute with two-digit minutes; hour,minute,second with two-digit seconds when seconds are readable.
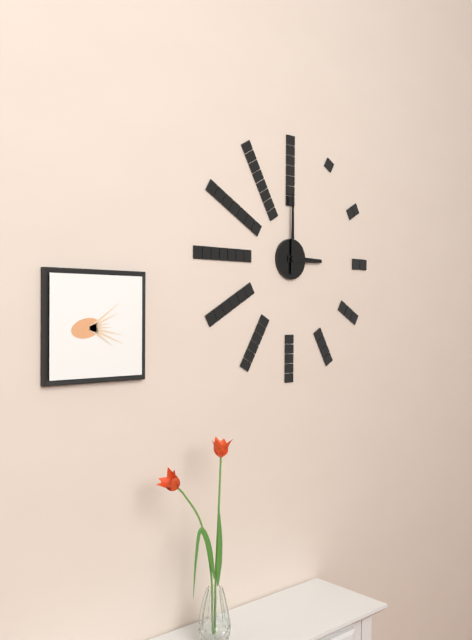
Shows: 3,00
